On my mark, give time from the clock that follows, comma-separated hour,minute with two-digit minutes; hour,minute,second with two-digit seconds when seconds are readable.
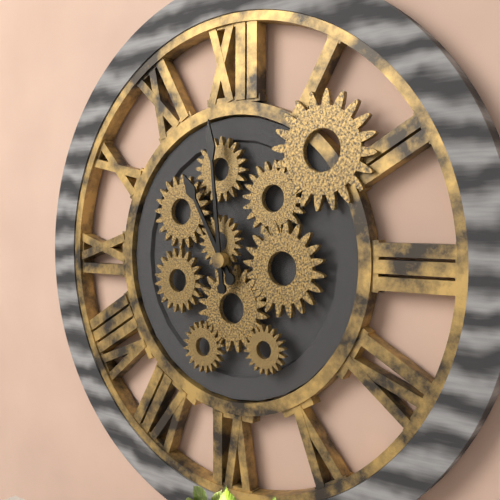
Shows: 10,59
